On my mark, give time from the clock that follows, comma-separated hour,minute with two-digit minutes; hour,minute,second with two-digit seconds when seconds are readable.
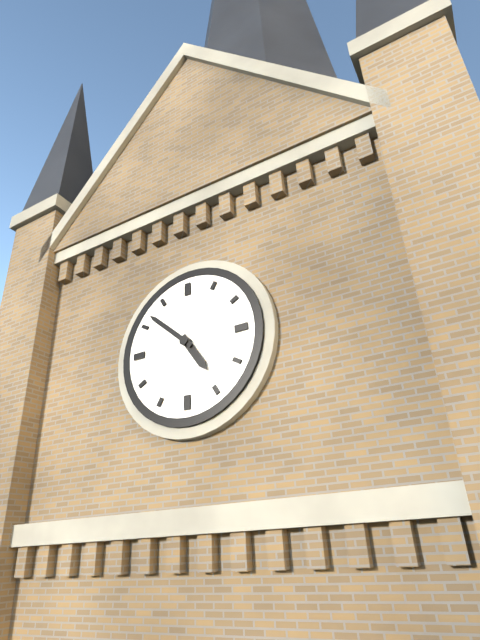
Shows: 4,52
